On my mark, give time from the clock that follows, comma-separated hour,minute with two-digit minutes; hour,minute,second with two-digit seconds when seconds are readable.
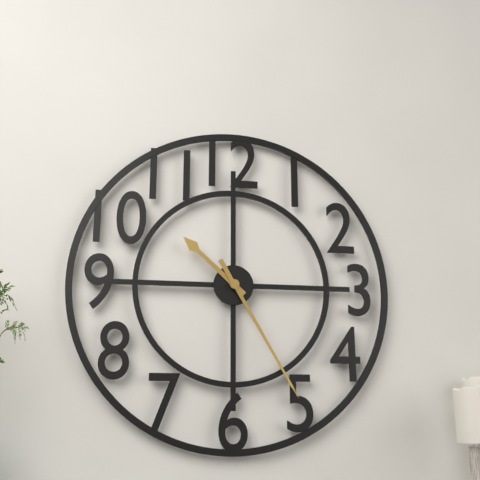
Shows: 10,25
